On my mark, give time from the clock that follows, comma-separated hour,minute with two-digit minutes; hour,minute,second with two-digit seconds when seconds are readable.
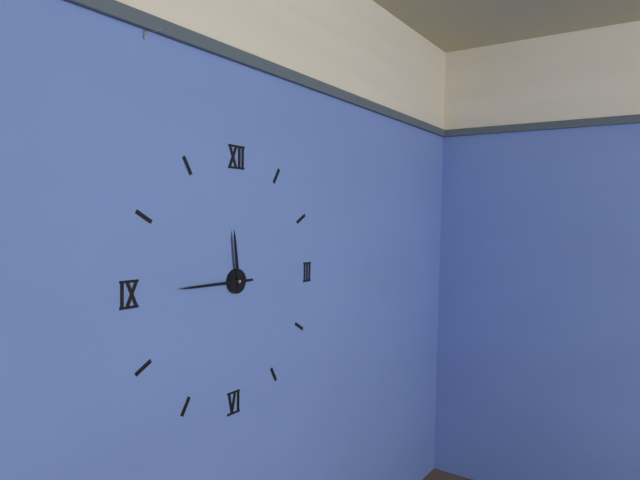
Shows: 11,45
